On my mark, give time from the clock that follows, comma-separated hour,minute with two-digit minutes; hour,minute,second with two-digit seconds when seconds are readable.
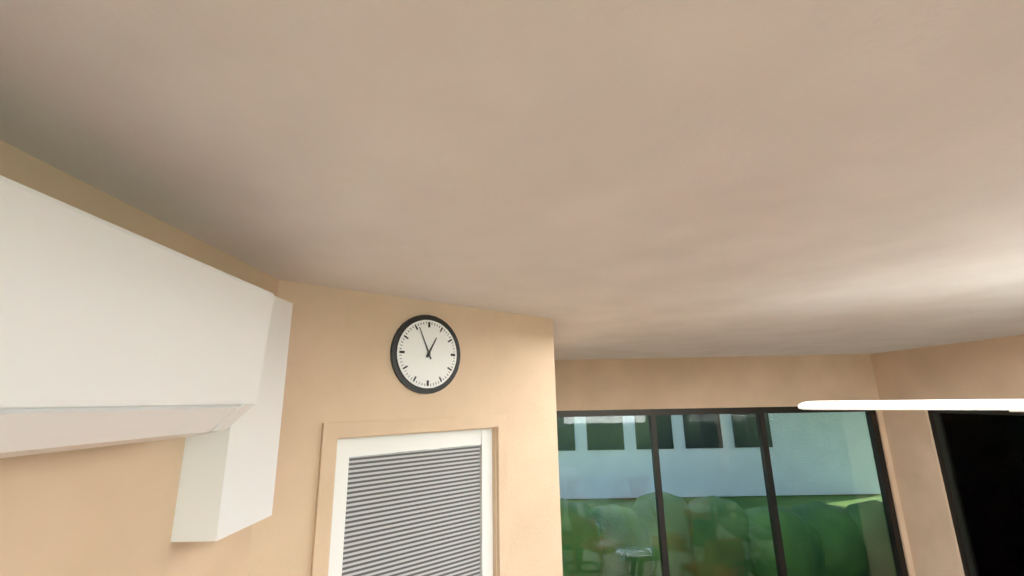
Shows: 12,56
